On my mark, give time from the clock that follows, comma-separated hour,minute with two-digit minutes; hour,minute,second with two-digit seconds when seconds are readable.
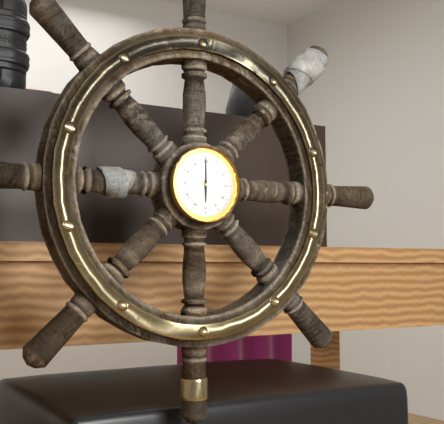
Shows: 6,00
